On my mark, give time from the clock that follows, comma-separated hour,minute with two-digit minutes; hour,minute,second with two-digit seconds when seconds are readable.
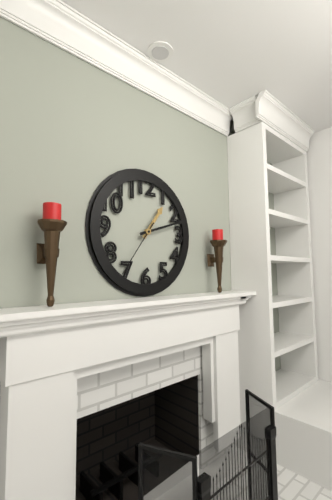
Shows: 1,12,36
